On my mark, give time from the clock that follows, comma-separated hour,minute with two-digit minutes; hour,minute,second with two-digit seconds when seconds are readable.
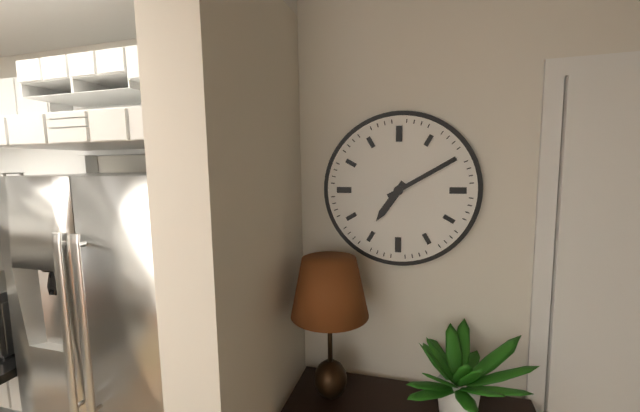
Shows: 7,10
